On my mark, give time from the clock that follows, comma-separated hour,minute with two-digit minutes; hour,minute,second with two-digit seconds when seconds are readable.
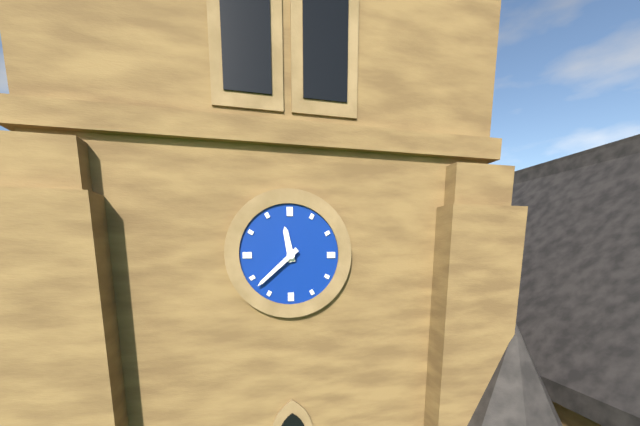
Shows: 11,38
